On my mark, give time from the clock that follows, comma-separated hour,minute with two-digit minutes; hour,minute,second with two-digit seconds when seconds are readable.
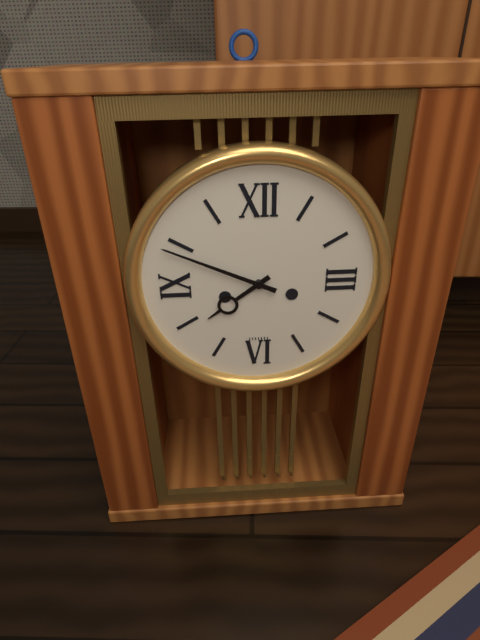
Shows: 7,49
